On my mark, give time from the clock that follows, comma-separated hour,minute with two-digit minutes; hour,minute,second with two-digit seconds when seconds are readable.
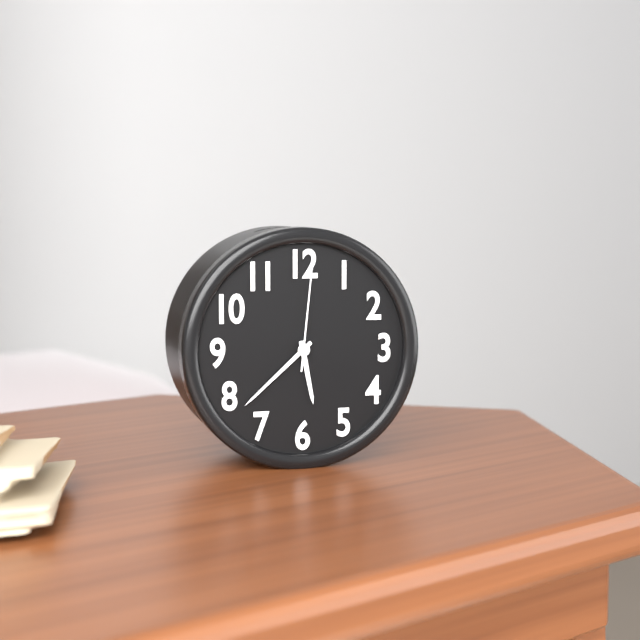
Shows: 5,38,01
